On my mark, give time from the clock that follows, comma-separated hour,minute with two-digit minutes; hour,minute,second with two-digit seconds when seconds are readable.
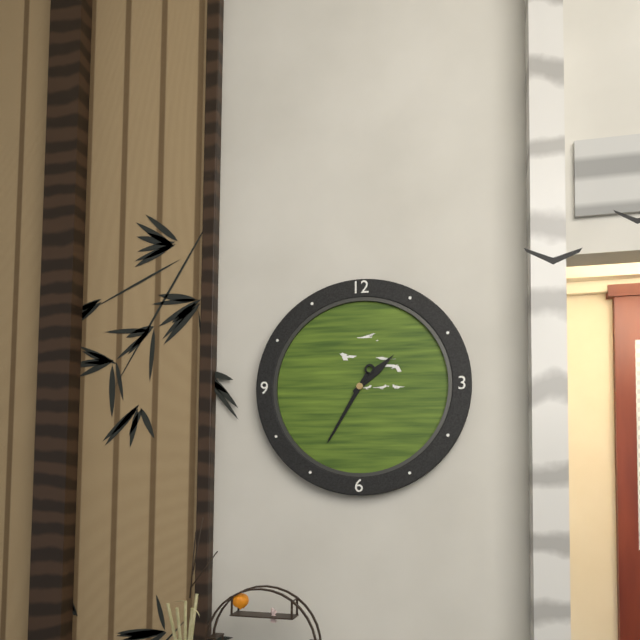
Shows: 1,35
